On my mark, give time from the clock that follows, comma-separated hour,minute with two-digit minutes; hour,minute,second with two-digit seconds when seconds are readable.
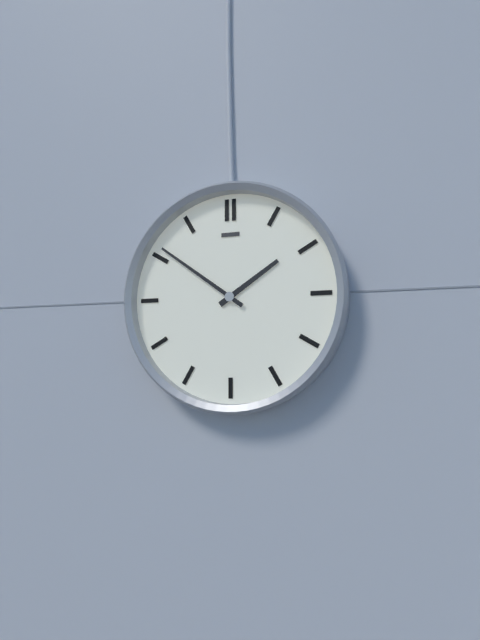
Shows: 1,51
